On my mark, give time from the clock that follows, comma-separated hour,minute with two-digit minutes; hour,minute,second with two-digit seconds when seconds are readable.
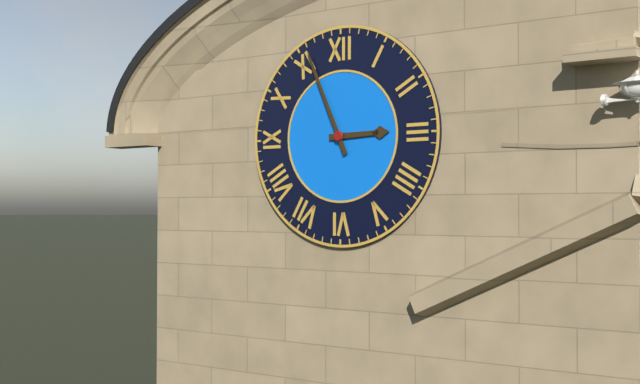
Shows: 2,56
